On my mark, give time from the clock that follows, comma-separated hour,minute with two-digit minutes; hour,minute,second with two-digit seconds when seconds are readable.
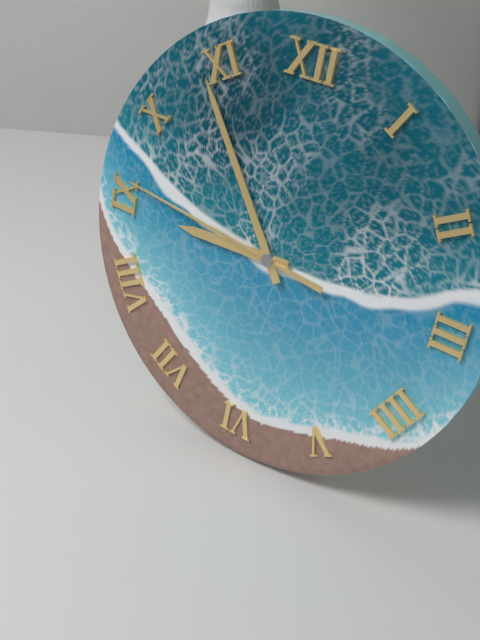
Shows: 8,54,46
